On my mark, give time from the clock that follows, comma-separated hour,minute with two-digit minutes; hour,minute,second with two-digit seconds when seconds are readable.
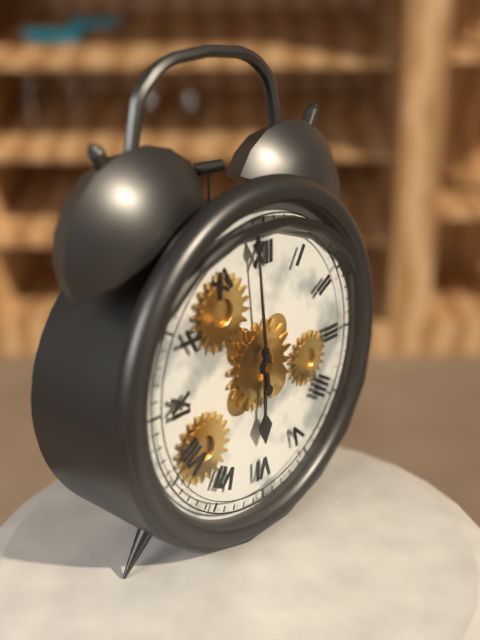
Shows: 5,59
